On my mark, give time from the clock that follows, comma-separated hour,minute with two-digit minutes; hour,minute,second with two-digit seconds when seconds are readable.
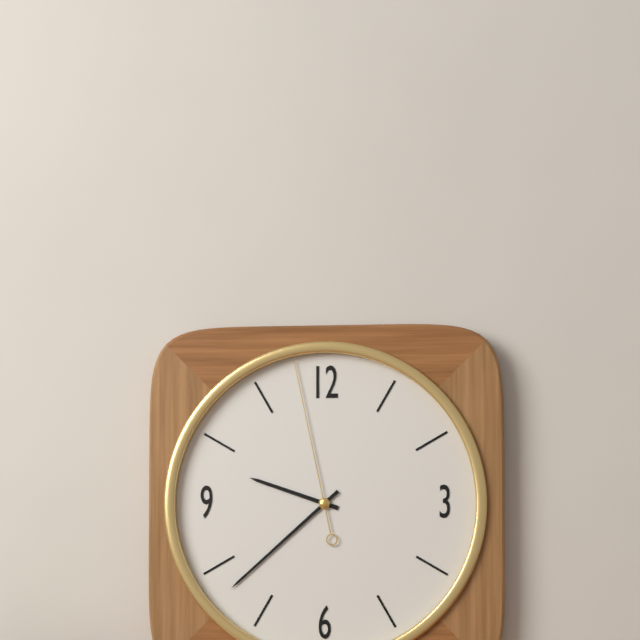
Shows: 9,38,58
